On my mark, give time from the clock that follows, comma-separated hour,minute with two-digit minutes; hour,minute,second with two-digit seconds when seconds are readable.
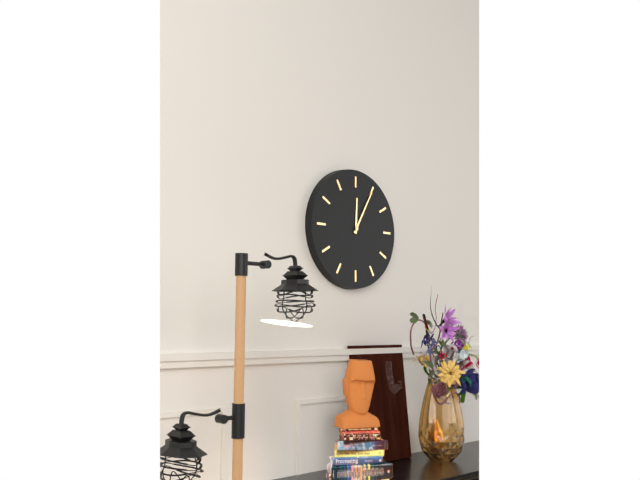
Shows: 12,05
